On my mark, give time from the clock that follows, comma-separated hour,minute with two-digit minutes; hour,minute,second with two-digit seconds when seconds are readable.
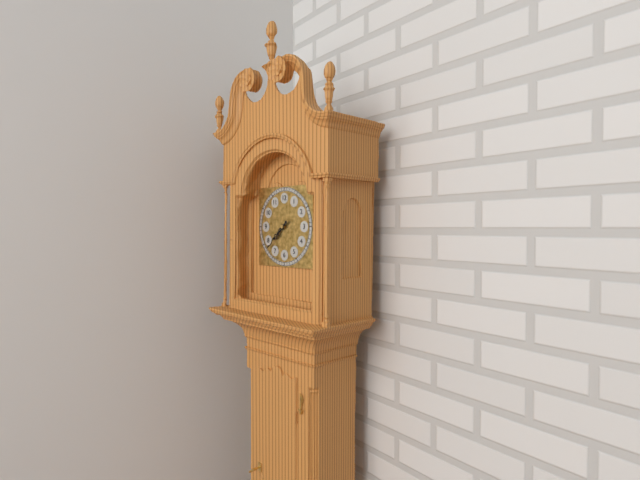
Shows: 7,38
